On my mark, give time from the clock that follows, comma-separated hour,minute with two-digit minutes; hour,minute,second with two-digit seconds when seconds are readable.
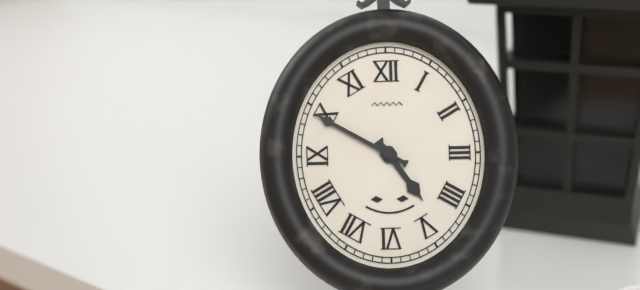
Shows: 4,50
